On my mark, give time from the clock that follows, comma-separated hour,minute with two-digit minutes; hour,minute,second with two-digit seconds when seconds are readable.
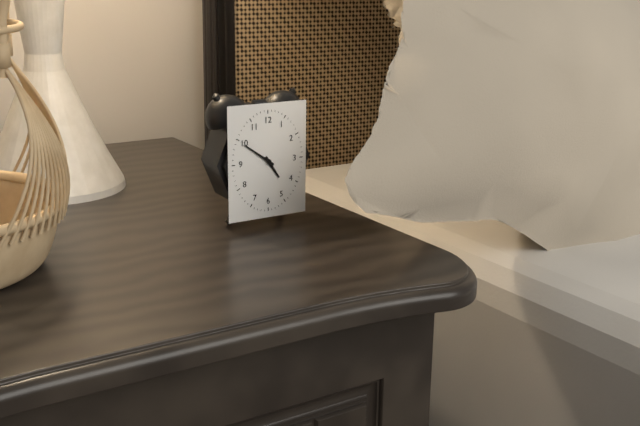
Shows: 4,51
